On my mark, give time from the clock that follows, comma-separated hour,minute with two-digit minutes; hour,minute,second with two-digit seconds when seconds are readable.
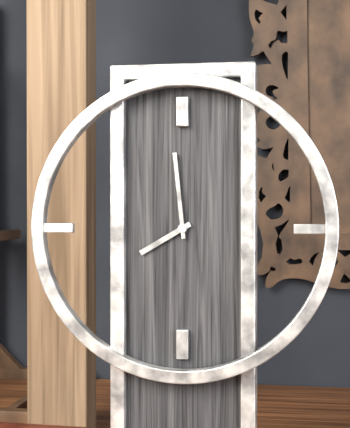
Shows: 7,59
